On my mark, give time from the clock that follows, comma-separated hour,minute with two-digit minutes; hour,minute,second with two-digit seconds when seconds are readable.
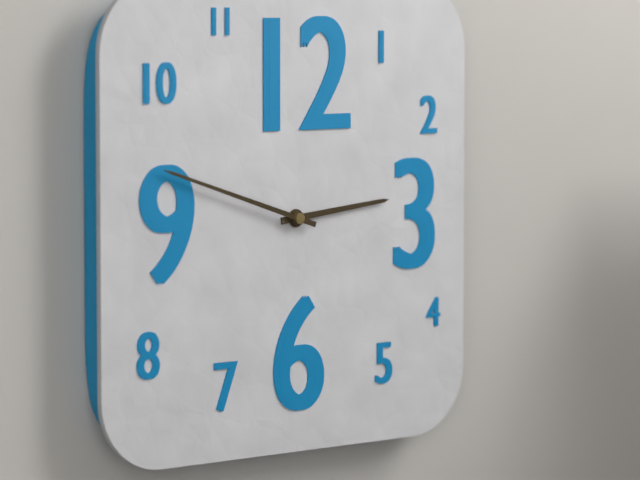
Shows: 2,48
